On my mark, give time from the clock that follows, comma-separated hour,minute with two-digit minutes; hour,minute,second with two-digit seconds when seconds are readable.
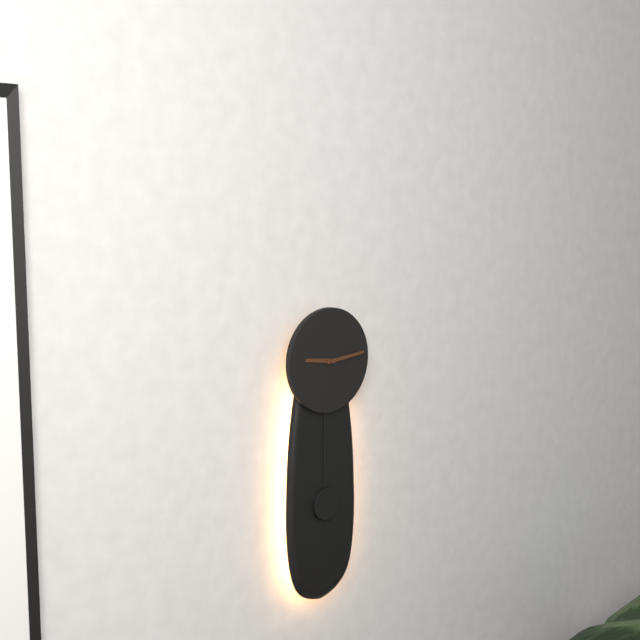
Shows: 9,14
